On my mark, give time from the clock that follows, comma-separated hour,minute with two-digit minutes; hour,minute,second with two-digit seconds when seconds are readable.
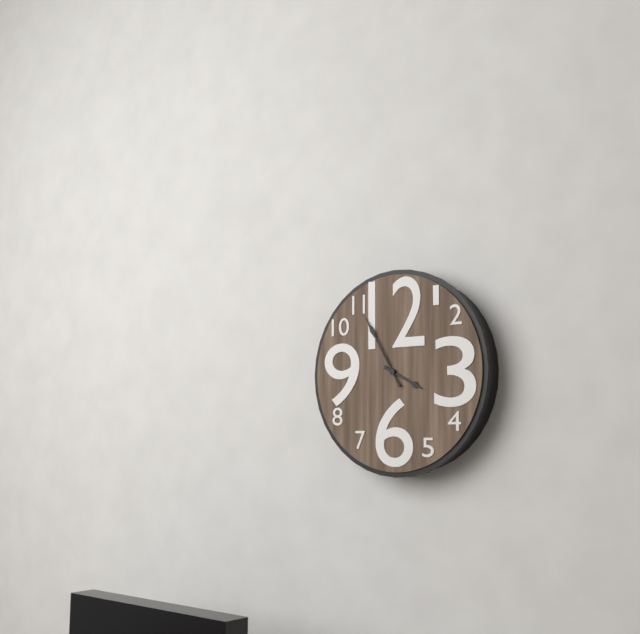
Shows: 3,55
